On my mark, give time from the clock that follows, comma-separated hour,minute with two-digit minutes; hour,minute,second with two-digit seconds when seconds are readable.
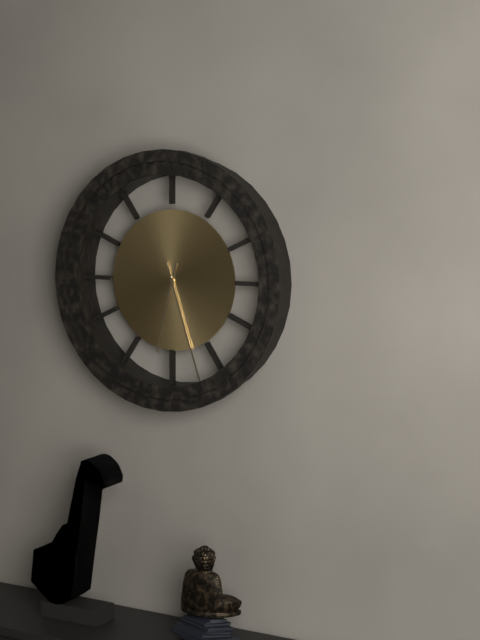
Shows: 6,27
